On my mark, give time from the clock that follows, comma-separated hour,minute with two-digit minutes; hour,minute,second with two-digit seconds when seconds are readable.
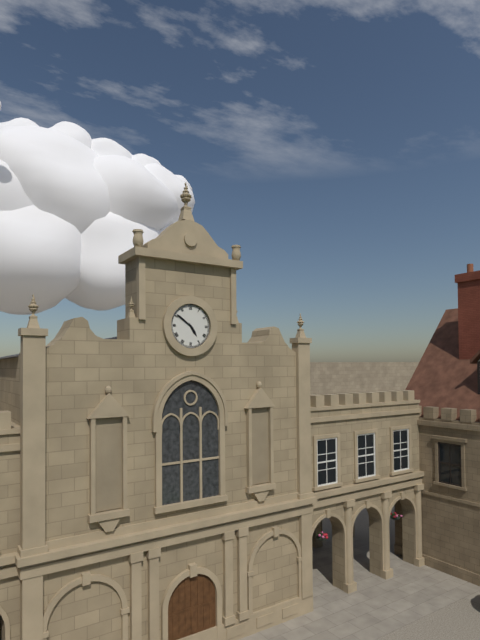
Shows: 4,51
